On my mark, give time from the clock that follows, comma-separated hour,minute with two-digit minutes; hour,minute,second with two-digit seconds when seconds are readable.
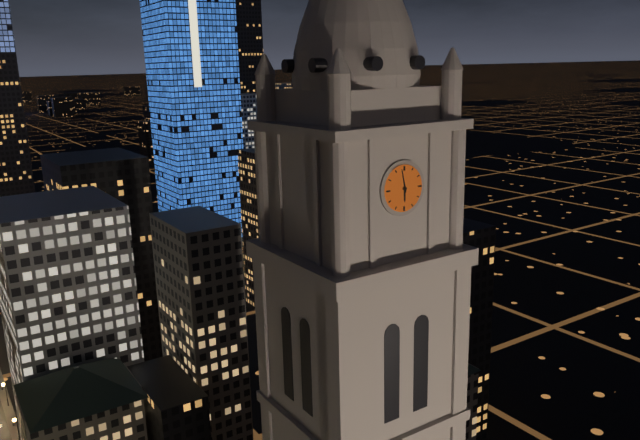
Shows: 5,58
